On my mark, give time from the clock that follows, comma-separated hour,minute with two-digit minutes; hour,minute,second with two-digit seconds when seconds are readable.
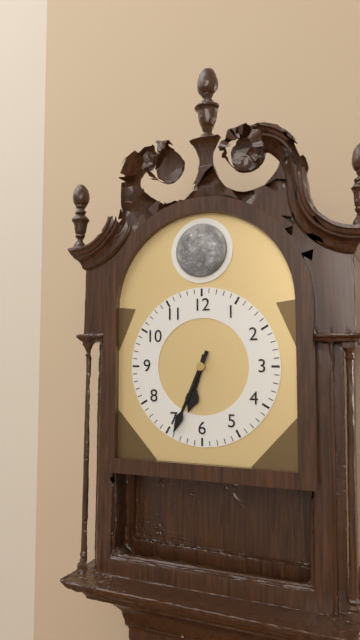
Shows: 6,34
